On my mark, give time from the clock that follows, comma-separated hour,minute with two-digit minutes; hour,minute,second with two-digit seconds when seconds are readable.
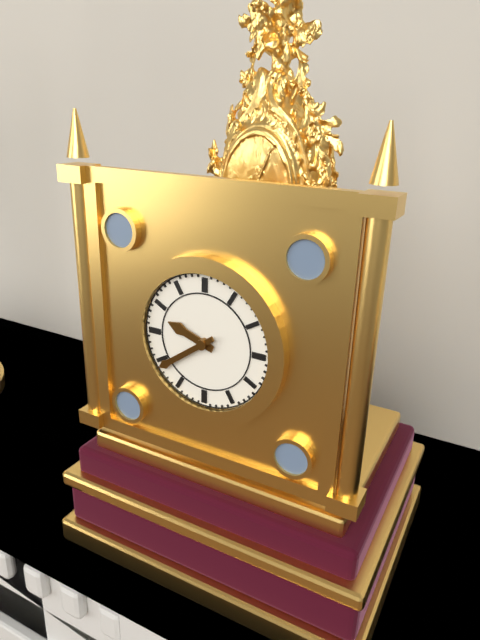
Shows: 9,39
